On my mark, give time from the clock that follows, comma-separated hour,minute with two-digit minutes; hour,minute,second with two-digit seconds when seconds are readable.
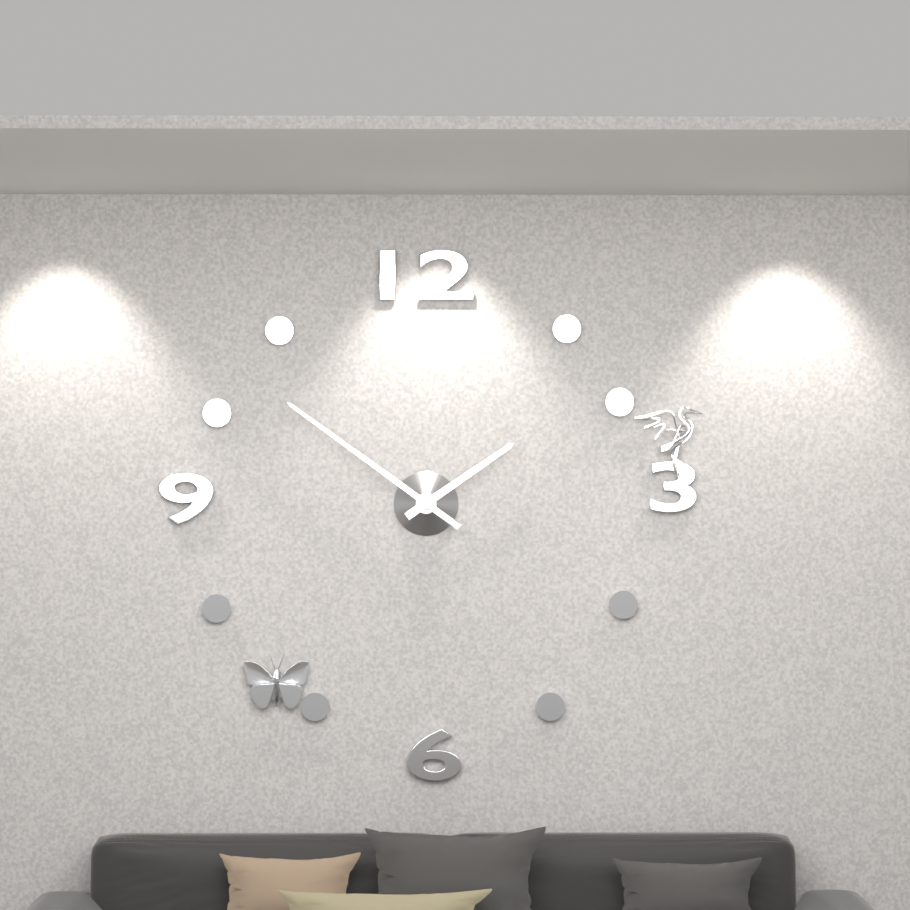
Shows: 1,51
